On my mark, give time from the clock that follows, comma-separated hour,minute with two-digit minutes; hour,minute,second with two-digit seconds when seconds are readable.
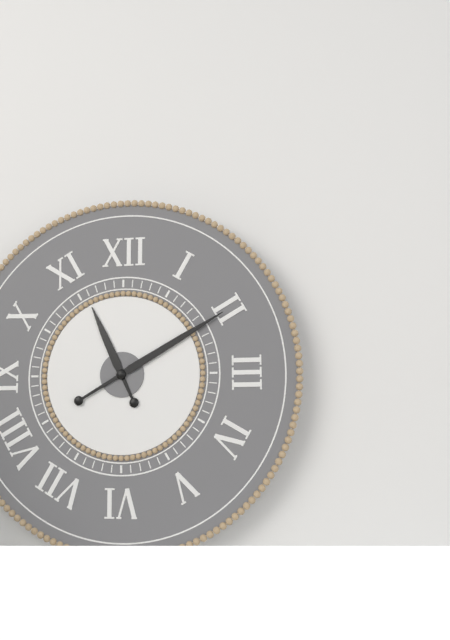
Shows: 11,10
